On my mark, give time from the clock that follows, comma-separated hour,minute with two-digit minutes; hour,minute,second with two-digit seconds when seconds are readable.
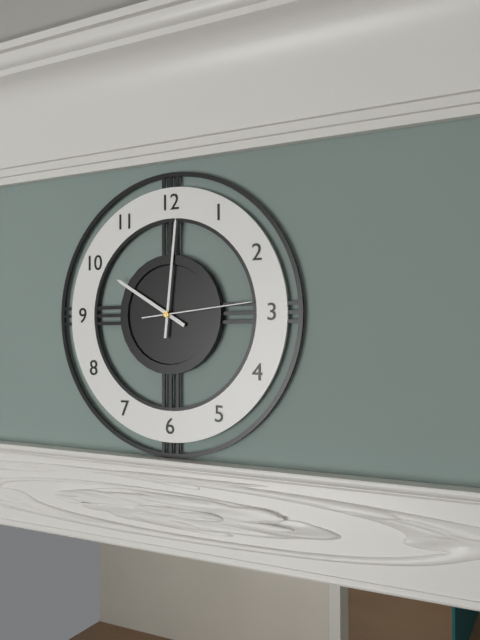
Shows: 10,01,14
